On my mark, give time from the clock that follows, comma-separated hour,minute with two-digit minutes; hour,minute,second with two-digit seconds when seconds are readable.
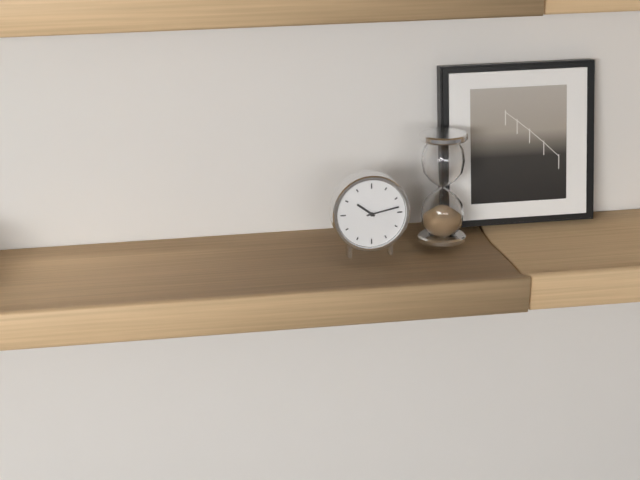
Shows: 10,13
